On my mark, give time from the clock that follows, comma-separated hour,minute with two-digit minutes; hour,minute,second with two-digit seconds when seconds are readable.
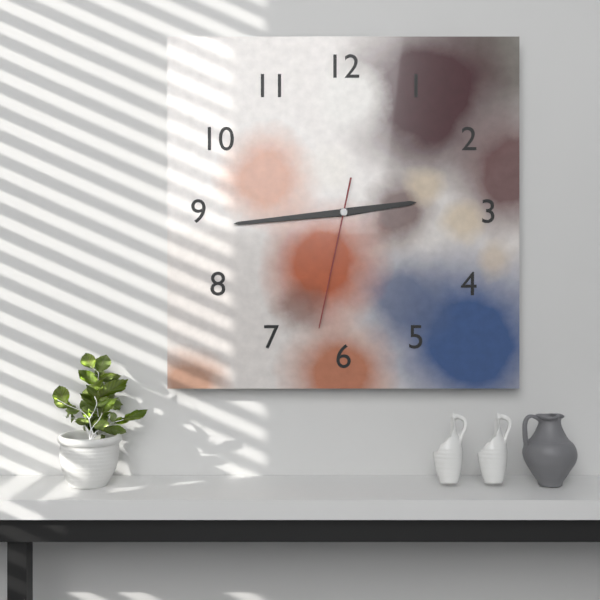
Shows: 2,44,32
